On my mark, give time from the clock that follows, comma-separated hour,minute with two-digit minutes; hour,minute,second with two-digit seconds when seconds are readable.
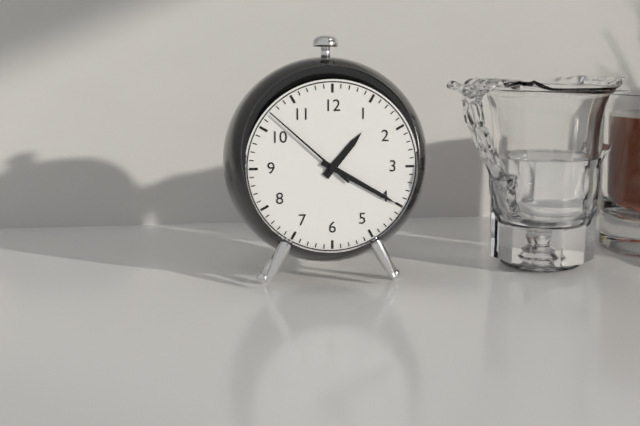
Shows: 1,20,52
